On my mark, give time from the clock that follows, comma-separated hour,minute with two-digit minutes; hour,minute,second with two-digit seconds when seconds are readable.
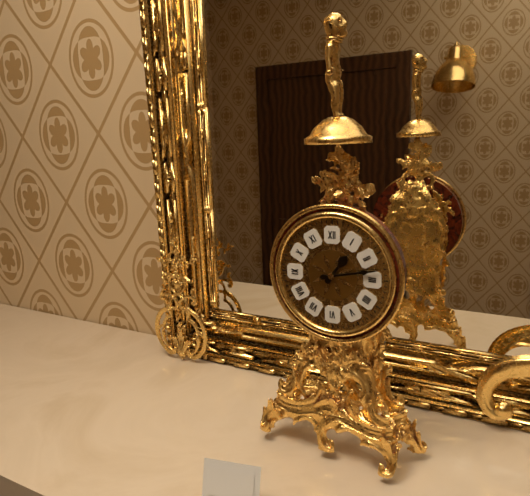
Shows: 1,13
